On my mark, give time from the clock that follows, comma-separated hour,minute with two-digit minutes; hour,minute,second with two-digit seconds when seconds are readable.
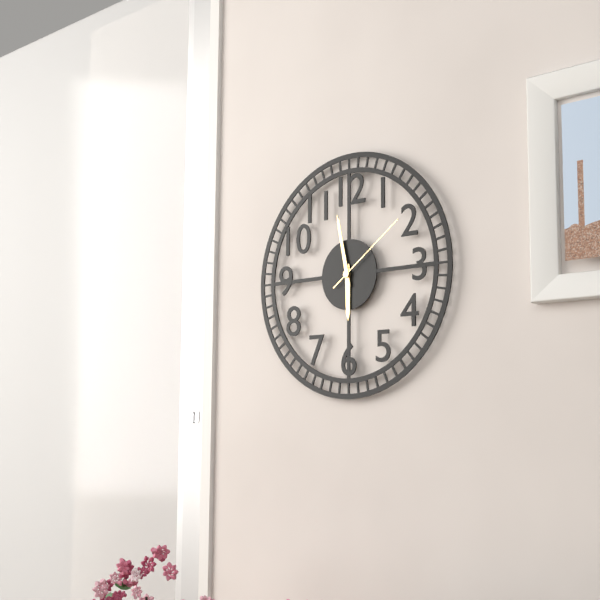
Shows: 5,58,09
